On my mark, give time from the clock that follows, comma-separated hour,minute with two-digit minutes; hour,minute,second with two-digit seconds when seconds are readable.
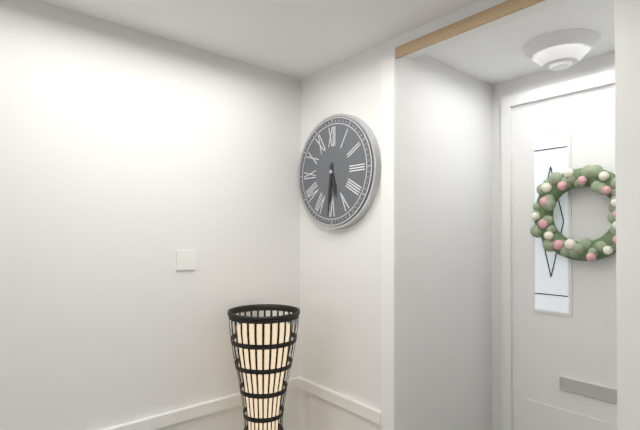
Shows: 5,31
